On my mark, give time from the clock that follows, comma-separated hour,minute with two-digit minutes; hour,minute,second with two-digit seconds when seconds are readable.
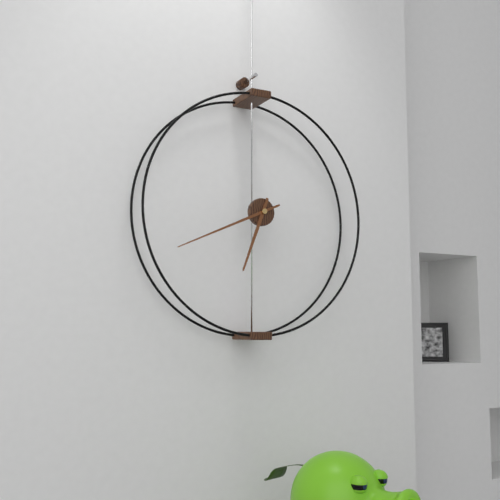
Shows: 6,41
